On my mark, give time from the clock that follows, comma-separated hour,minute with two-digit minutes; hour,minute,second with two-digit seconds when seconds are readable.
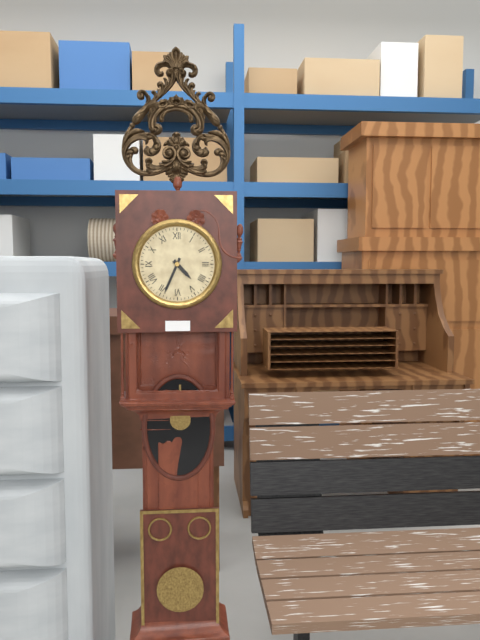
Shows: 4,34
